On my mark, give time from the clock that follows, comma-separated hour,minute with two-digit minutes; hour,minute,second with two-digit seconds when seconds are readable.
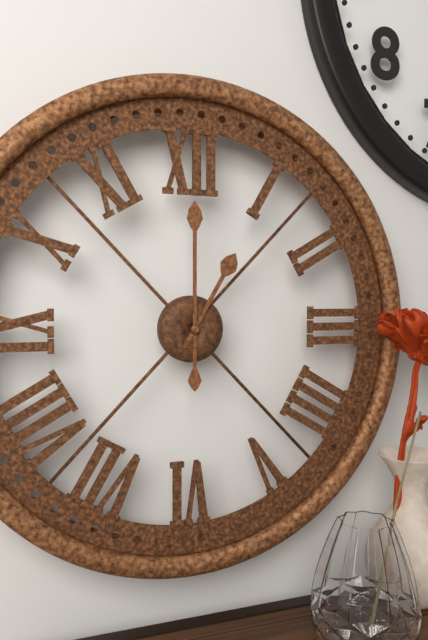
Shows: 1,00
